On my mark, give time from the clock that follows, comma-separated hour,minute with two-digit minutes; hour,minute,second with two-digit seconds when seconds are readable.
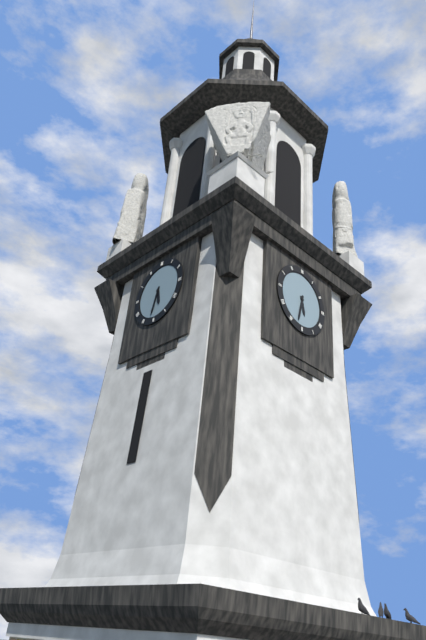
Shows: 5,32
